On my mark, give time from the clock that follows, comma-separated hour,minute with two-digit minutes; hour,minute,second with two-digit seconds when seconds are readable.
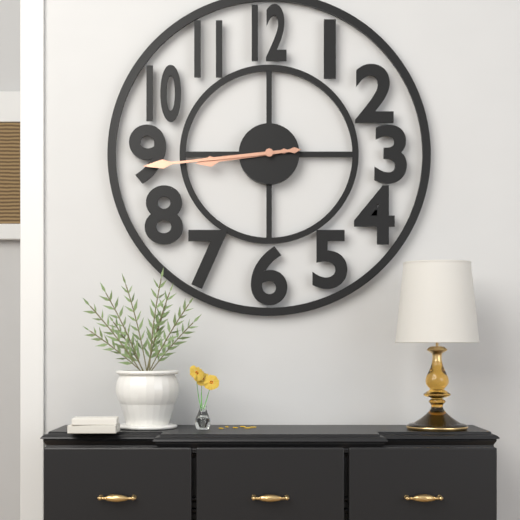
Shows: 8,44
